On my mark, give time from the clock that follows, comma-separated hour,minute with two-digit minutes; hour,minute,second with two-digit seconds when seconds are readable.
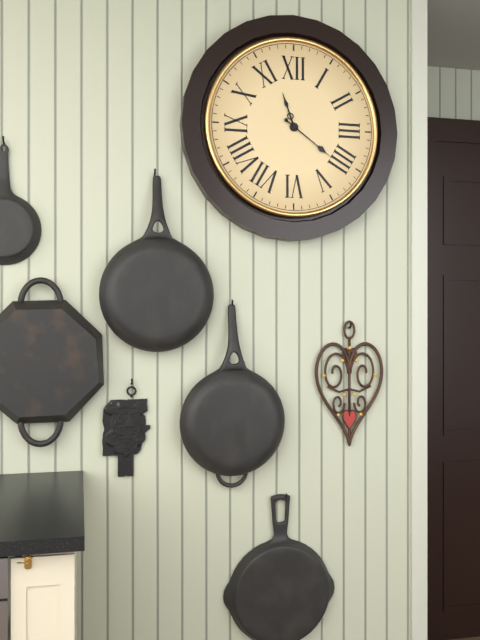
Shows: 11,21
